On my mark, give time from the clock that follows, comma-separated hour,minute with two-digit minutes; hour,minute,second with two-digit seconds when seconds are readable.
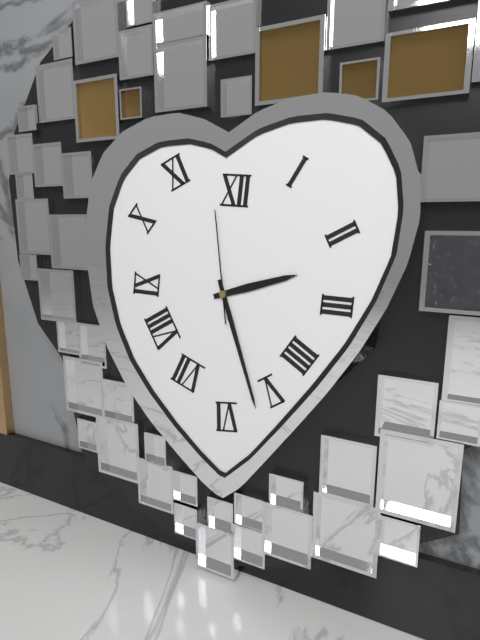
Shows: 2,27,59
